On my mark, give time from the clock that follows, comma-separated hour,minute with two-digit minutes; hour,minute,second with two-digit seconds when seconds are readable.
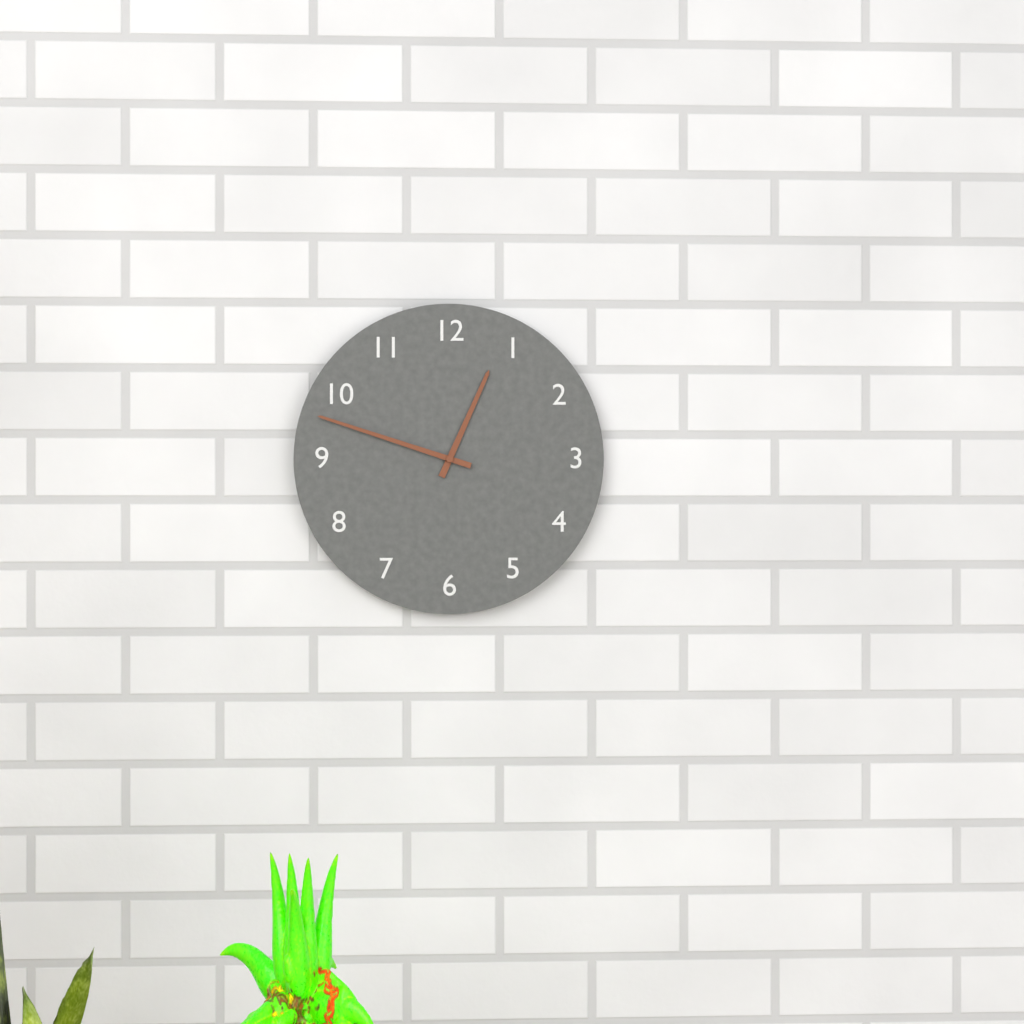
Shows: 12,48
